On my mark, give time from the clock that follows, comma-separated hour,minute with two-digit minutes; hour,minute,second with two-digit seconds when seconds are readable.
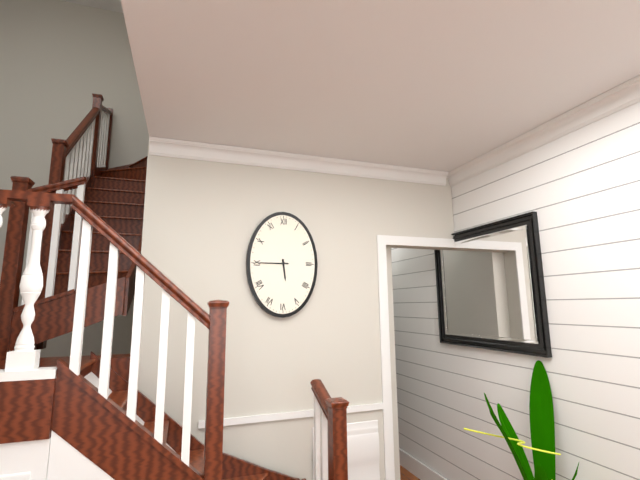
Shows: 5,45
